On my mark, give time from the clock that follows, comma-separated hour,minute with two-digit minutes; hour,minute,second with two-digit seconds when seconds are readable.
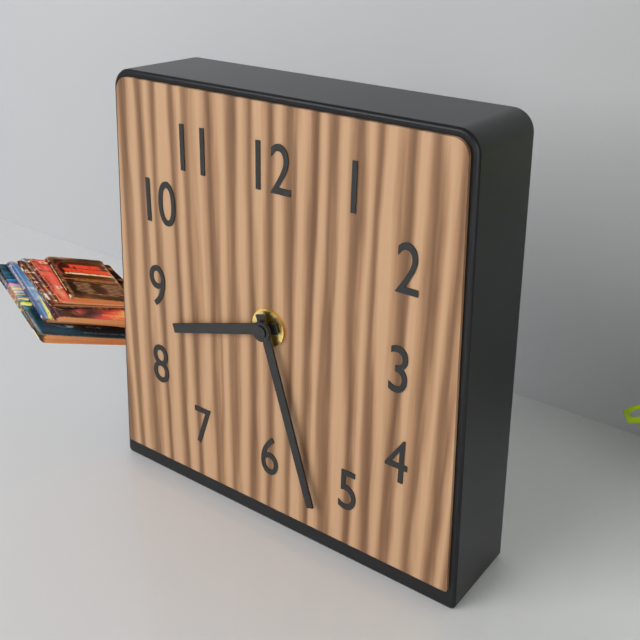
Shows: 8,27
